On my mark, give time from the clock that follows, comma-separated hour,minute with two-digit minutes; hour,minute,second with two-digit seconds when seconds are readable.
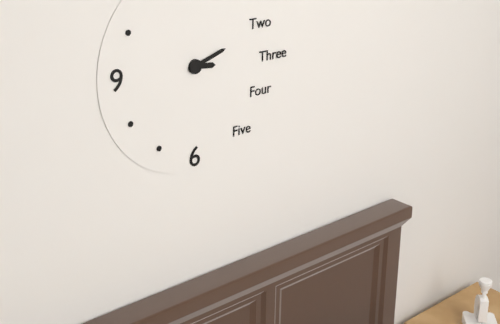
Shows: 3,12
